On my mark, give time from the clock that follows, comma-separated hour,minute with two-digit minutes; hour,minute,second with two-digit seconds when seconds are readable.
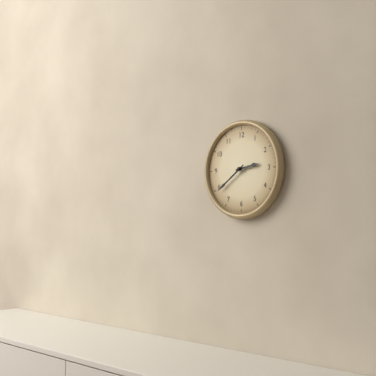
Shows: 2,39
